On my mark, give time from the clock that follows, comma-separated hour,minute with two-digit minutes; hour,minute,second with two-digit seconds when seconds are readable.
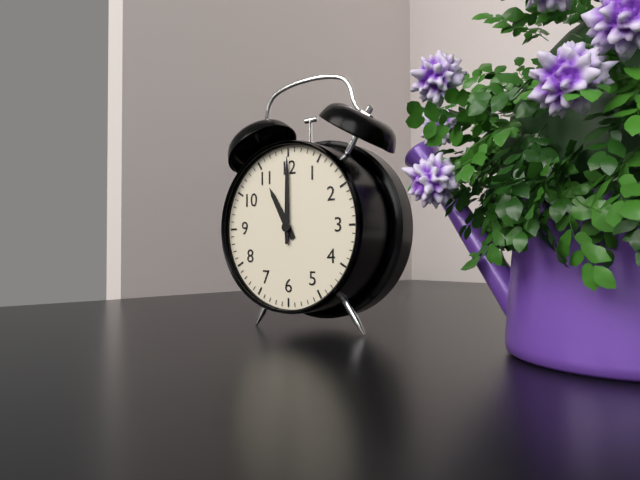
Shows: 11,00
